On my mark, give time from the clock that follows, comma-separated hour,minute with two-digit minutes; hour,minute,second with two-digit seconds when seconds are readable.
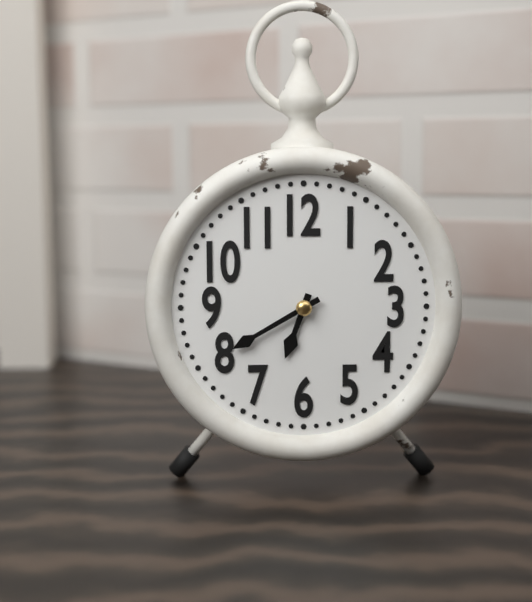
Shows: 6,40
